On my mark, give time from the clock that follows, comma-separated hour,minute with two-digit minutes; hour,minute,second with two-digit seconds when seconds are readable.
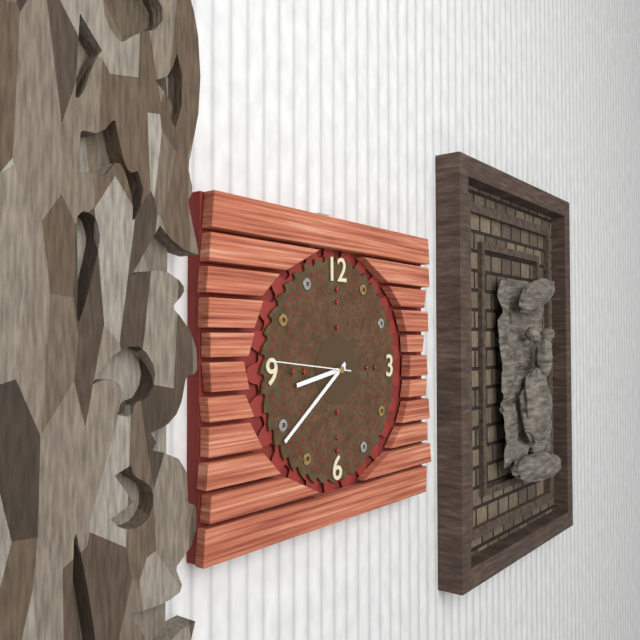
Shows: 8,39,46
